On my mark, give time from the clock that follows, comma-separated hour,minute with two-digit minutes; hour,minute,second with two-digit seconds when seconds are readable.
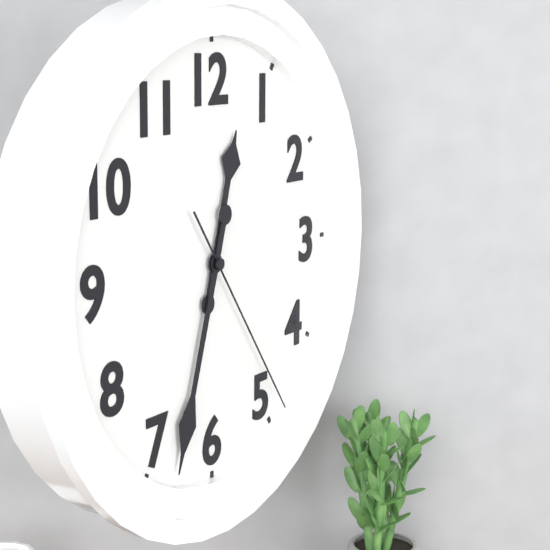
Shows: 12,33,24
